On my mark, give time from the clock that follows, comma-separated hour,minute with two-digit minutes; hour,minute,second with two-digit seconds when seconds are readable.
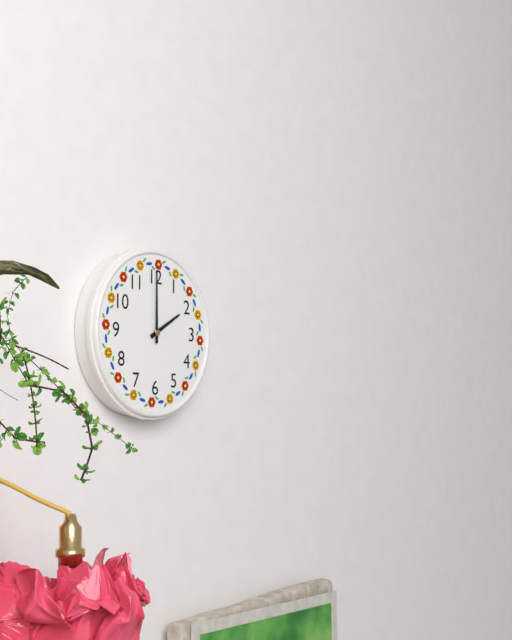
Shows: 2,00
